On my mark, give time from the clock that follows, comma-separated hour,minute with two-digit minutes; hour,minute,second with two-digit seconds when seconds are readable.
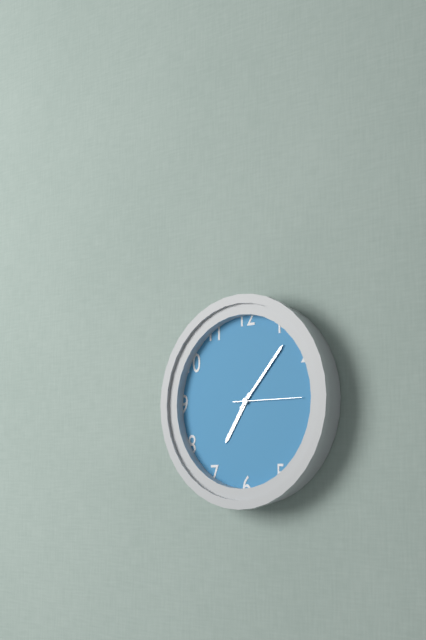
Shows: 7,07,15
